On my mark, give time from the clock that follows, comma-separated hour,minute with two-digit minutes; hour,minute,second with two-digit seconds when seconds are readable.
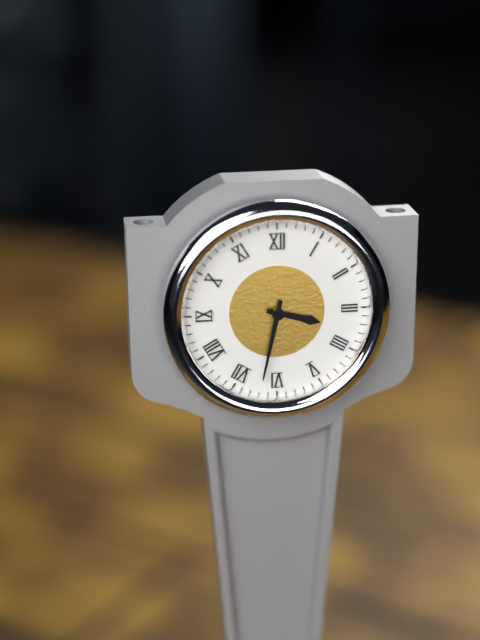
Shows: 3,32
